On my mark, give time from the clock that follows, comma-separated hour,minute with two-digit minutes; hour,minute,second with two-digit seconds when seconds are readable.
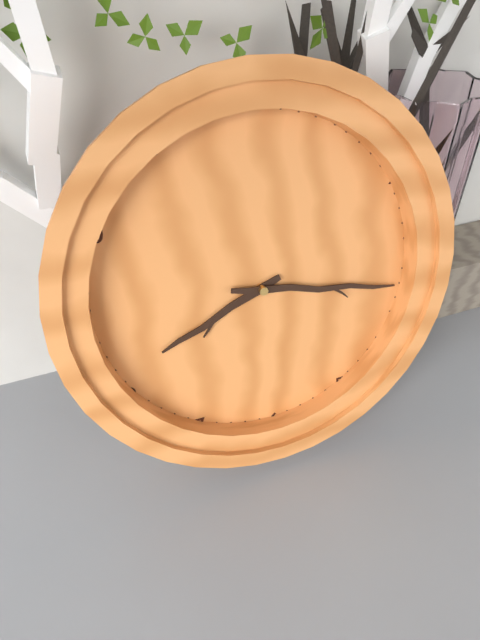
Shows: 8,17
